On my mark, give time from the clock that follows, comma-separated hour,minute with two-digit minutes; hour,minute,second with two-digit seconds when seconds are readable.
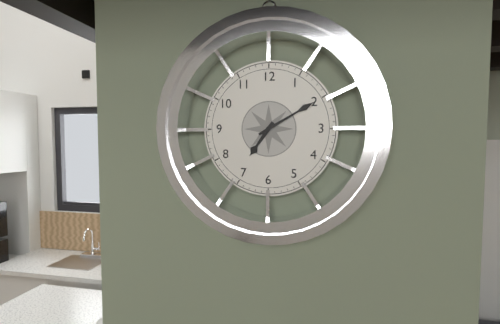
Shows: 7,10
